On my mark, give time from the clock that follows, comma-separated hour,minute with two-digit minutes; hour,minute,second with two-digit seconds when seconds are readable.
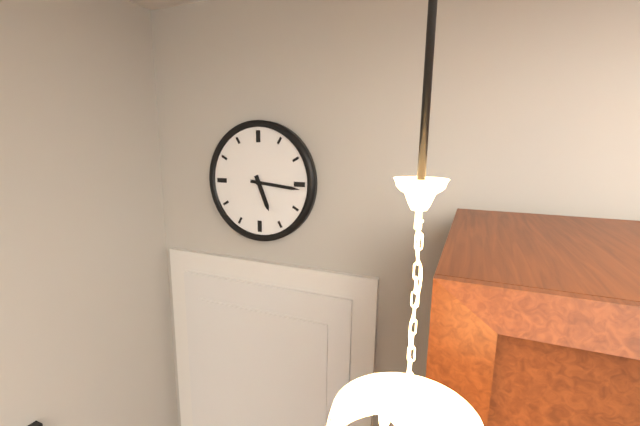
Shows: 5,16
